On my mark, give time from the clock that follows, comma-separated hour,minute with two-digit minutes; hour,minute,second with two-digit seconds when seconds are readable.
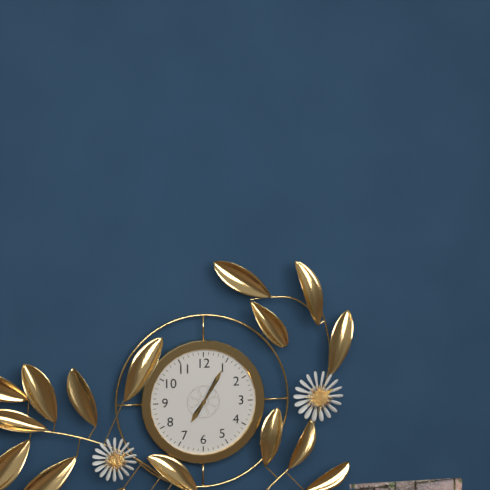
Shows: 7,05
